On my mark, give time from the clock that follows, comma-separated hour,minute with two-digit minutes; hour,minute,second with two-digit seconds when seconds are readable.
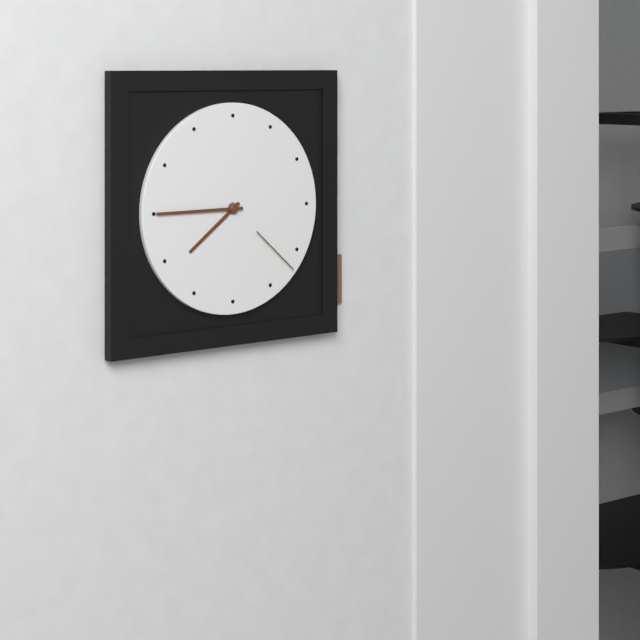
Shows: 7,45,22
